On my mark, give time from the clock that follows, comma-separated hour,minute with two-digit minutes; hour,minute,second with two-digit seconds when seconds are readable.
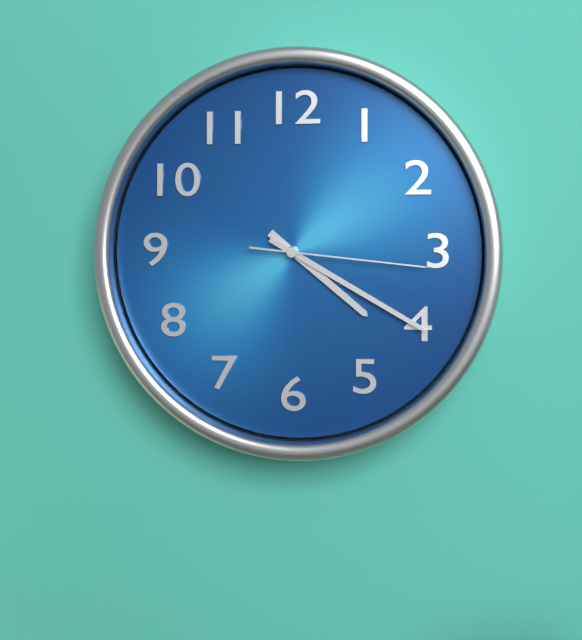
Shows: 4,20,16
